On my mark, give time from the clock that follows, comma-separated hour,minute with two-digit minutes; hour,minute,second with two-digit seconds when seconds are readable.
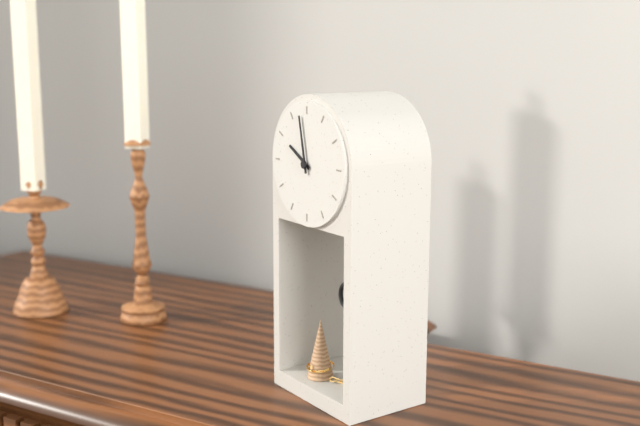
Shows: 9,58
